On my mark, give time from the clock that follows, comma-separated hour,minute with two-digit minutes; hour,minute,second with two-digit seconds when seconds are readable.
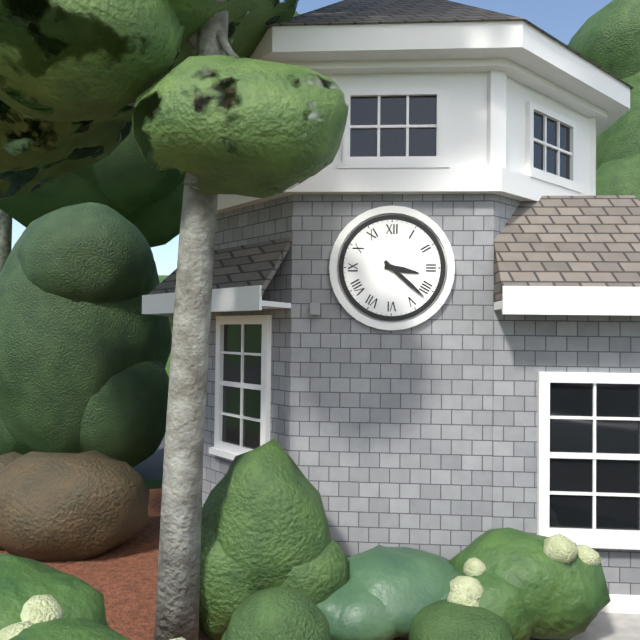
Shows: 3,22
